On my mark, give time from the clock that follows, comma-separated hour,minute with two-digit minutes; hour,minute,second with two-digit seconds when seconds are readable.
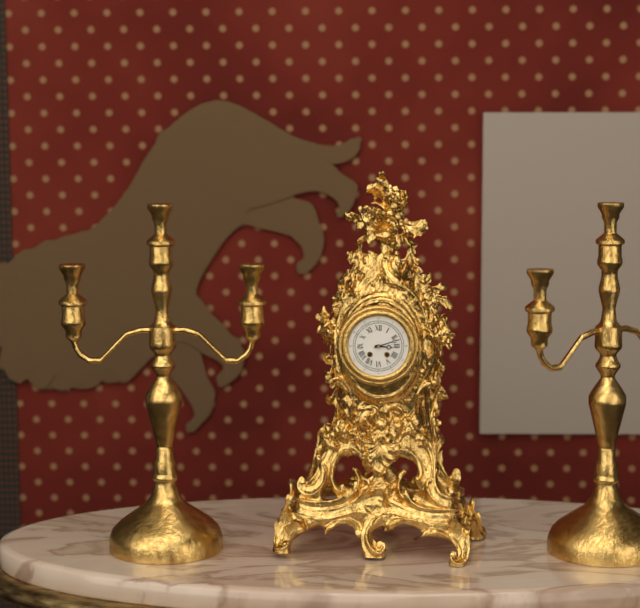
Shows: 3,12
